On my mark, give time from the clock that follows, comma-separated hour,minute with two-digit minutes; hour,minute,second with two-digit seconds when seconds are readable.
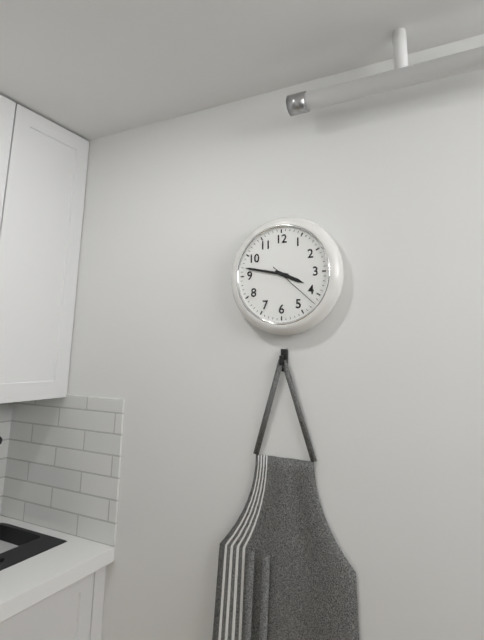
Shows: 3,47
